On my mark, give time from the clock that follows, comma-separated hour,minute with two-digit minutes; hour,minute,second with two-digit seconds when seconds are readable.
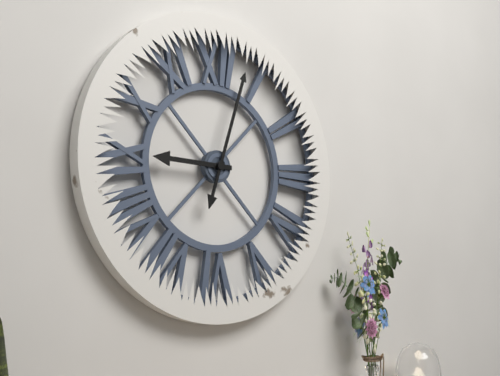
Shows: 9,03
